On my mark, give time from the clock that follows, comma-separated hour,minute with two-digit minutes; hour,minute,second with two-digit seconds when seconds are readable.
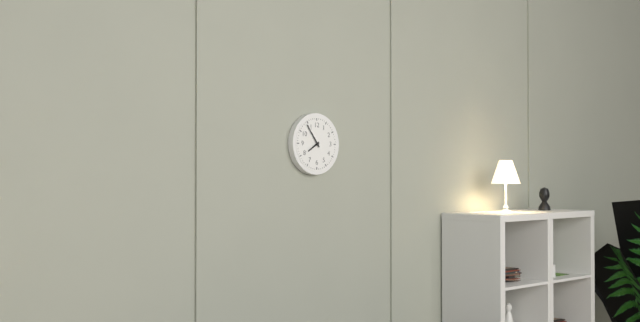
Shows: 7,54
